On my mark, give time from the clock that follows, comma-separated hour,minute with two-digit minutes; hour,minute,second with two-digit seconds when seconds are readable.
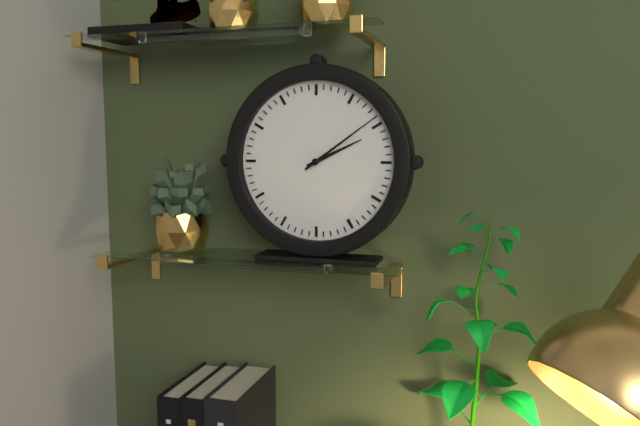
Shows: 2,09
